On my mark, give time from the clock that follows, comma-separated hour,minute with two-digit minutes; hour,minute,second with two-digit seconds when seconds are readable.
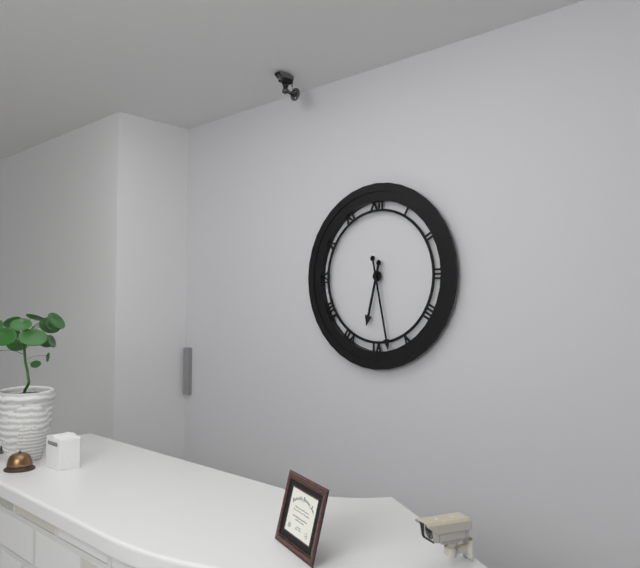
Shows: 6,28
